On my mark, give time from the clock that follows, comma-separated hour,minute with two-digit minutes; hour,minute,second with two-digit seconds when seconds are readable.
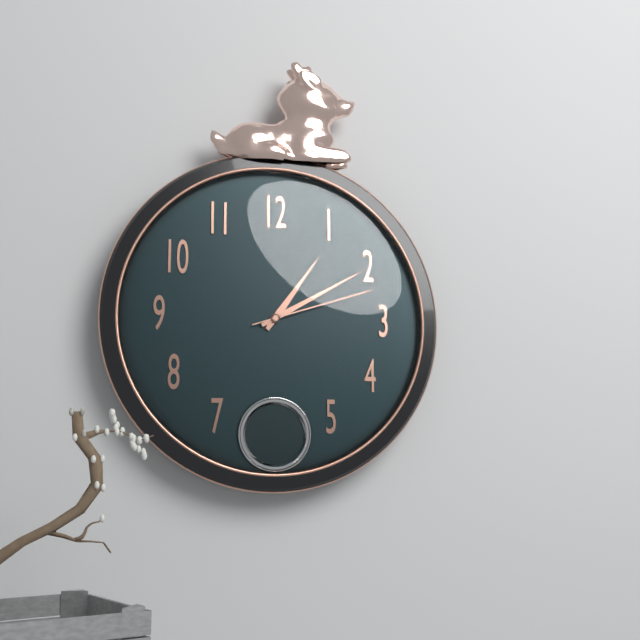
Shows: 1,10,12
